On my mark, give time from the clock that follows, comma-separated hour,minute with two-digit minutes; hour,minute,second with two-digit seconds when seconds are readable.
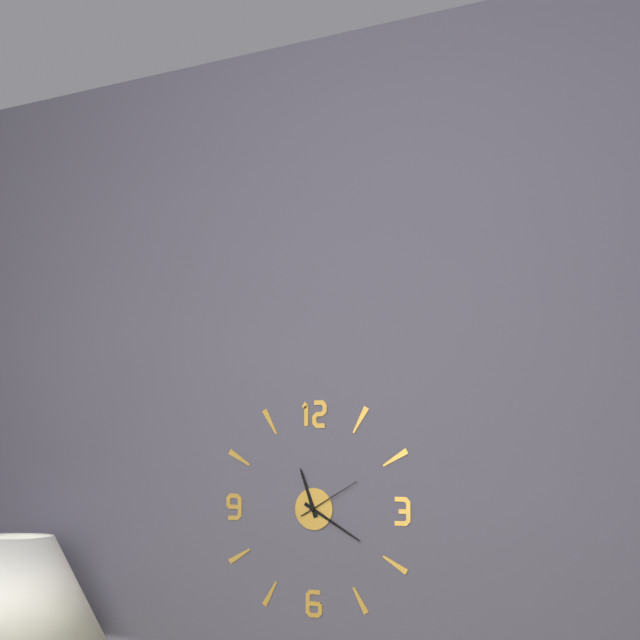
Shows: 11,20,10
